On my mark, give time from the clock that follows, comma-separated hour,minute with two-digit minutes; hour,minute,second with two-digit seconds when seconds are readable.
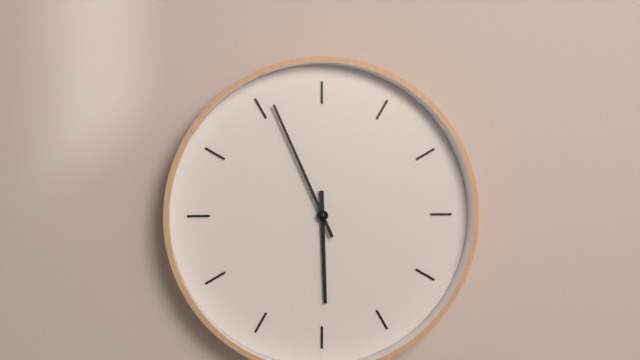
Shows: 5,56
